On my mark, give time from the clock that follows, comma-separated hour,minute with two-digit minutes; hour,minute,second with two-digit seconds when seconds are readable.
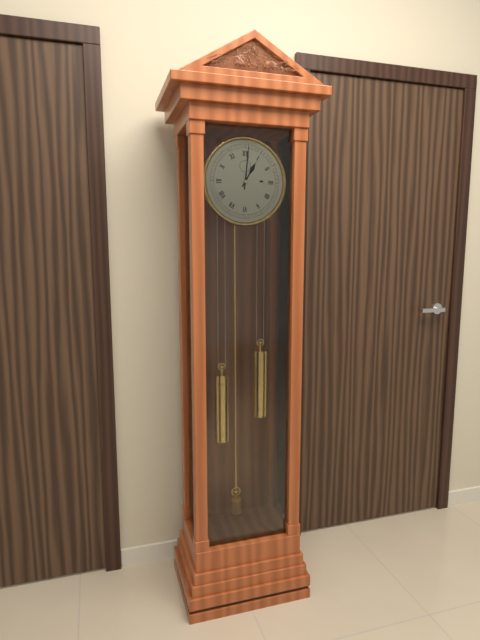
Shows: 1,01
